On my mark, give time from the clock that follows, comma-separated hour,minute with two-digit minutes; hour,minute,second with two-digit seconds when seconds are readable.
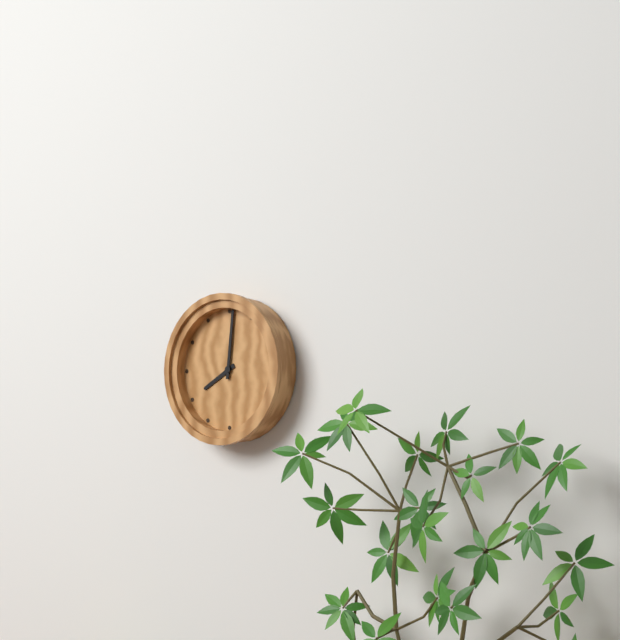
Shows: 8,01
